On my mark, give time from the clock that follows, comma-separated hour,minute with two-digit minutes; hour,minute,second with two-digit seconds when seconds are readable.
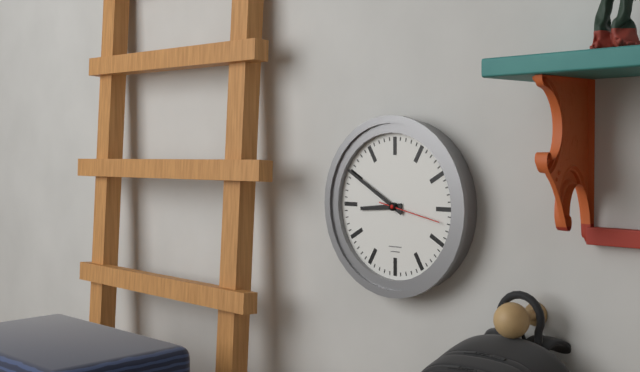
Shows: 8,50,17
